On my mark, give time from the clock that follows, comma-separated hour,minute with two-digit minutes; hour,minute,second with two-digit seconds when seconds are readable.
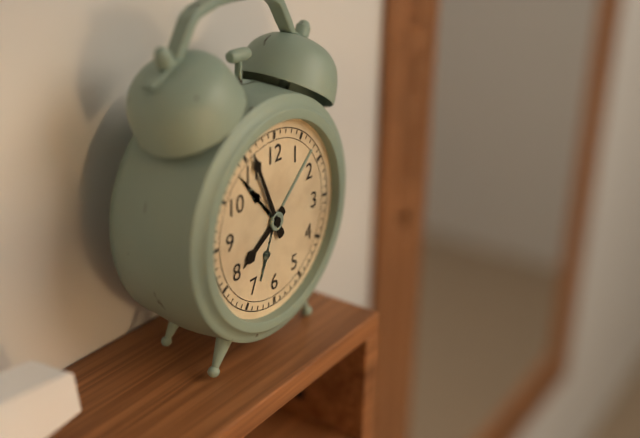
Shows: 7,56
